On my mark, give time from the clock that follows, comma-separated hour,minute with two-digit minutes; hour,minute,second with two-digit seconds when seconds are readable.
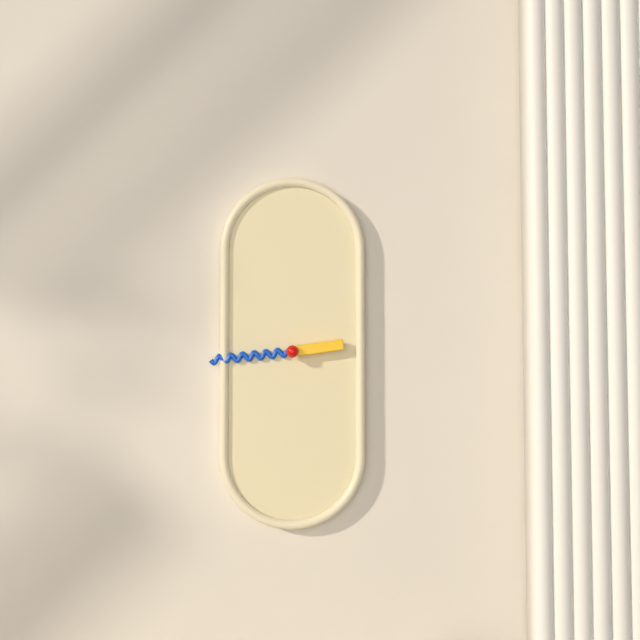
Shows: 2,44
